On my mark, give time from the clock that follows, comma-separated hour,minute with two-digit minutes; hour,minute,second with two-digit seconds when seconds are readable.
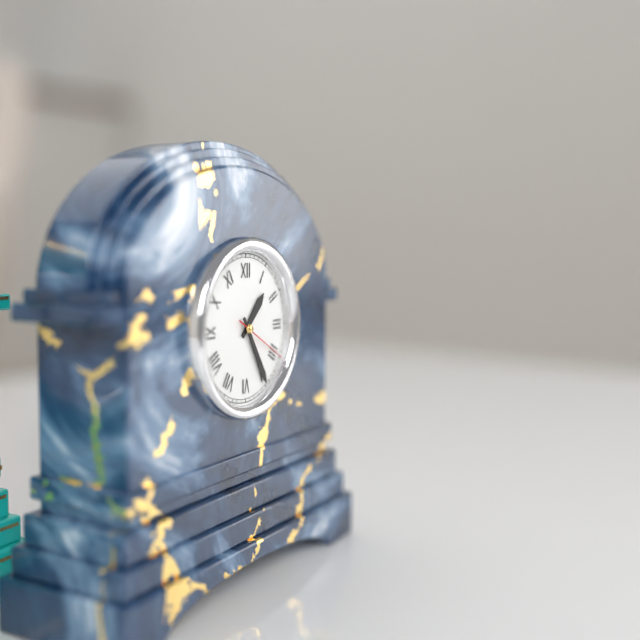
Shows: 1,25,20
